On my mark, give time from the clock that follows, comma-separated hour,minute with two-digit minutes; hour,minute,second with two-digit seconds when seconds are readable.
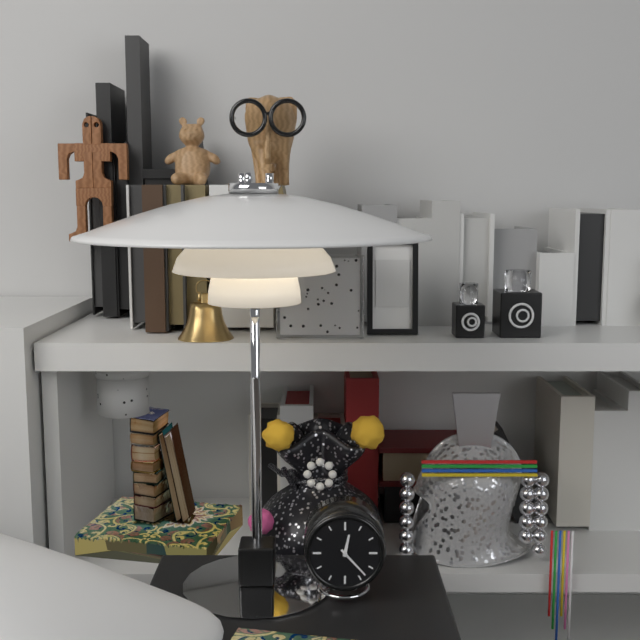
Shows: 12,23
